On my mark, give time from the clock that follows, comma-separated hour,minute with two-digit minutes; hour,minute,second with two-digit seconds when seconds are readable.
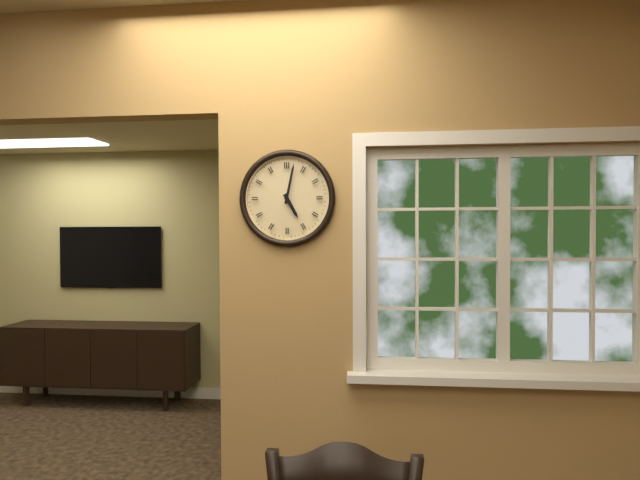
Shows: 5,02
